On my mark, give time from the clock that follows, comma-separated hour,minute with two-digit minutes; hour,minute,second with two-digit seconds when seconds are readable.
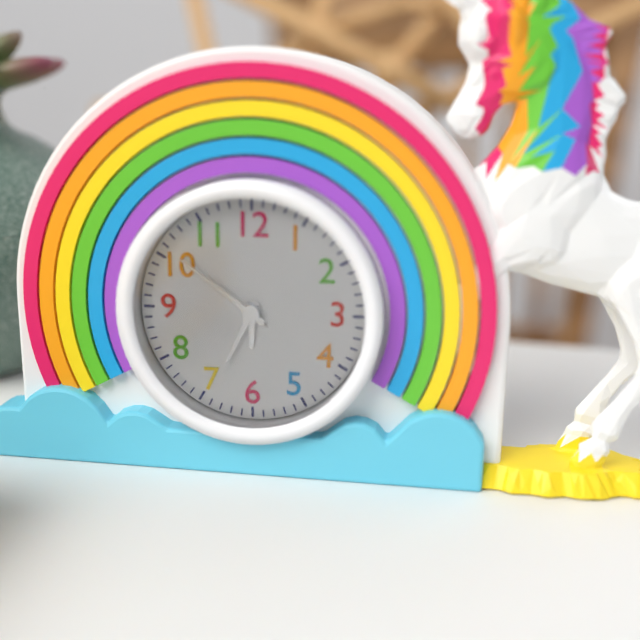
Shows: 6,51
